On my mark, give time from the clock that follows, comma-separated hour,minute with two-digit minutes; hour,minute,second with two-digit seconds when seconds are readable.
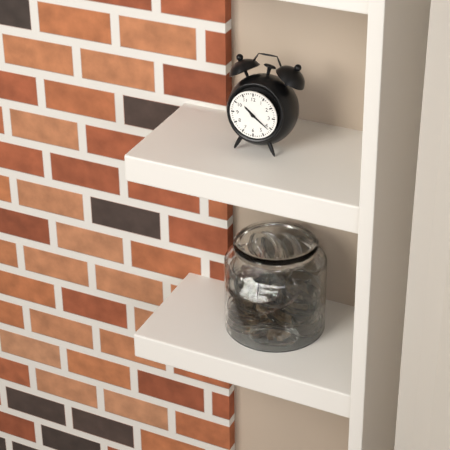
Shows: 10,21
